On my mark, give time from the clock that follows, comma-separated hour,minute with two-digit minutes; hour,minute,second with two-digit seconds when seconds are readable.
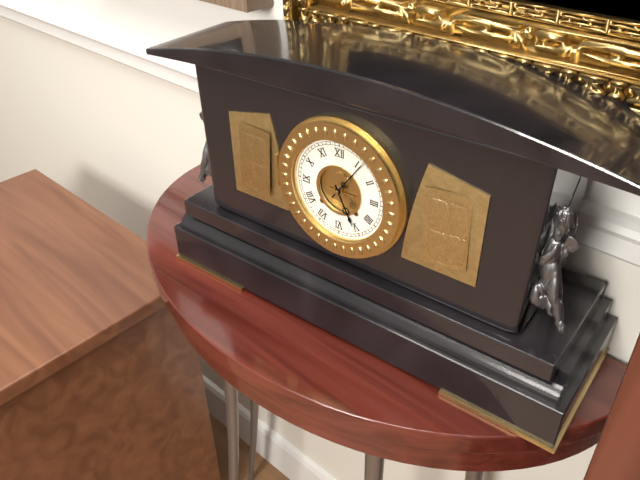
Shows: 5,06
